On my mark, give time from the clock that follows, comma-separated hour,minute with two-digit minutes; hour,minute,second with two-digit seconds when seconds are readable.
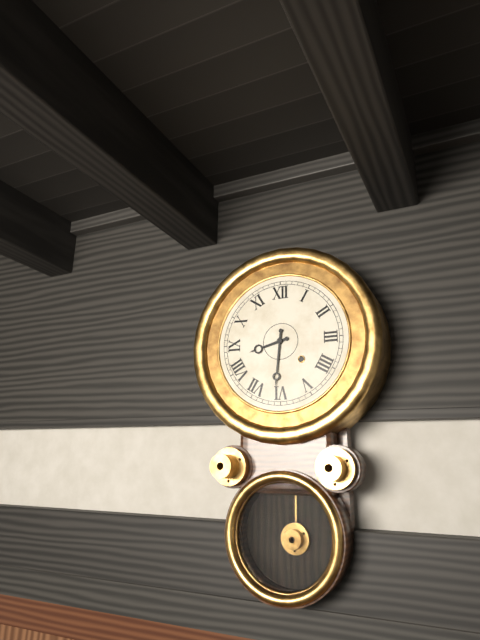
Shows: 8,31
